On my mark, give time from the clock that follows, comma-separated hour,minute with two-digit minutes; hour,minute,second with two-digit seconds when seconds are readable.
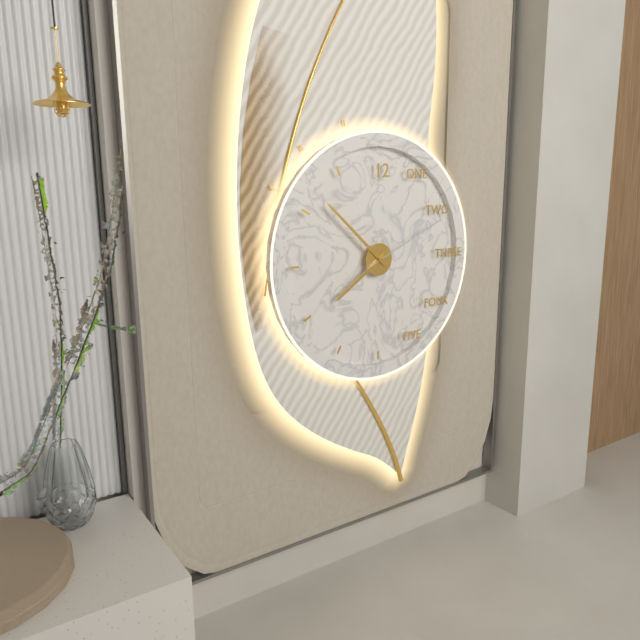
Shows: 7,52,11
